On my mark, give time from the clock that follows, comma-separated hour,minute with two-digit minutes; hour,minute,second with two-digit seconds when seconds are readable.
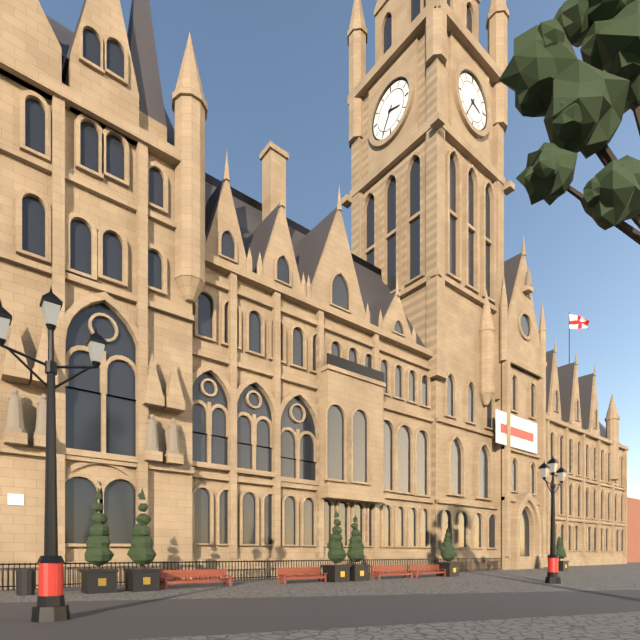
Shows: 3,35
